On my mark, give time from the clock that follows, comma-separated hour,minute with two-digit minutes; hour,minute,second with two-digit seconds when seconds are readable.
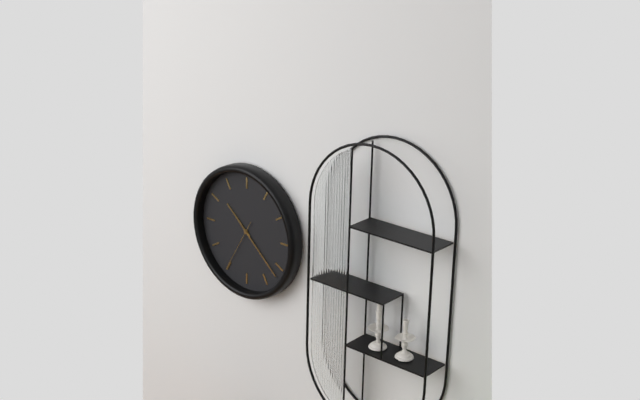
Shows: 10,22,35
